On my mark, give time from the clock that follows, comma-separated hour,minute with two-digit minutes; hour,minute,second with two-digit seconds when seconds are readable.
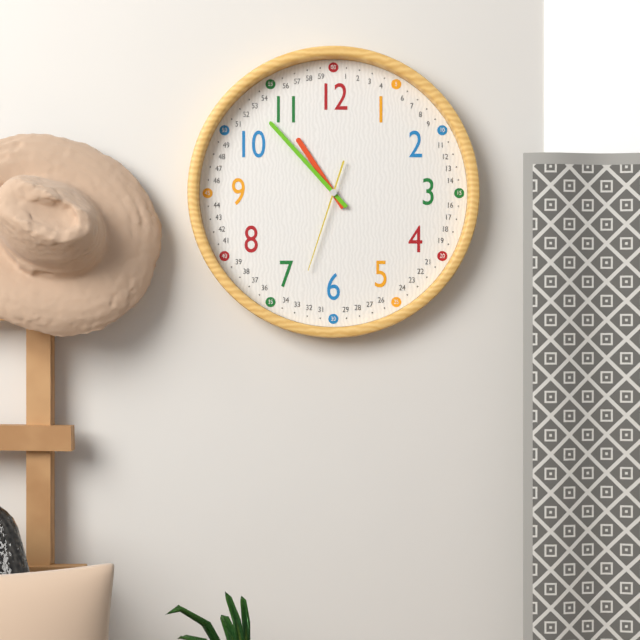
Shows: 10,53,33
